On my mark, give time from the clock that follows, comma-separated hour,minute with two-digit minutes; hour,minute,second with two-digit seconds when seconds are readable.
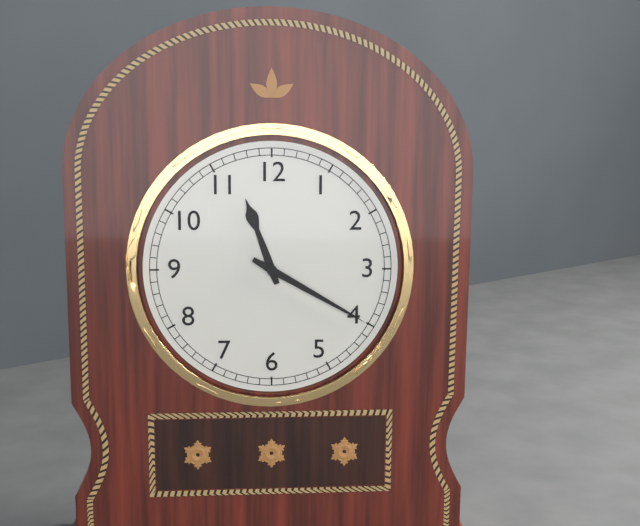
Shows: 11,20
